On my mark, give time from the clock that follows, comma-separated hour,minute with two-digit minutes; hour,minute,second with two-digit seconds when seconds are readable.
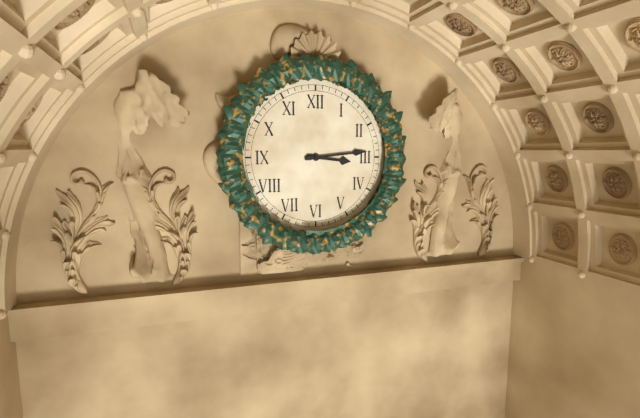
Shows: 3,14
